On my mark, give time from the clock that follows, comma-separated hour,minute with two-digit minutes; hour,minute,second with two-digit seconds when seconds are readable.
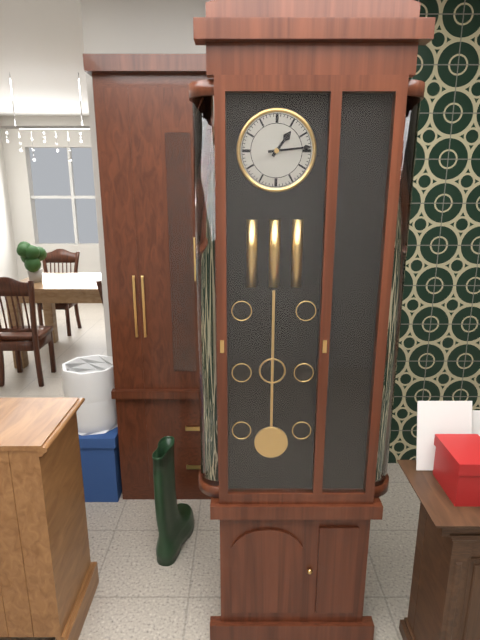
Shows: 1,14
